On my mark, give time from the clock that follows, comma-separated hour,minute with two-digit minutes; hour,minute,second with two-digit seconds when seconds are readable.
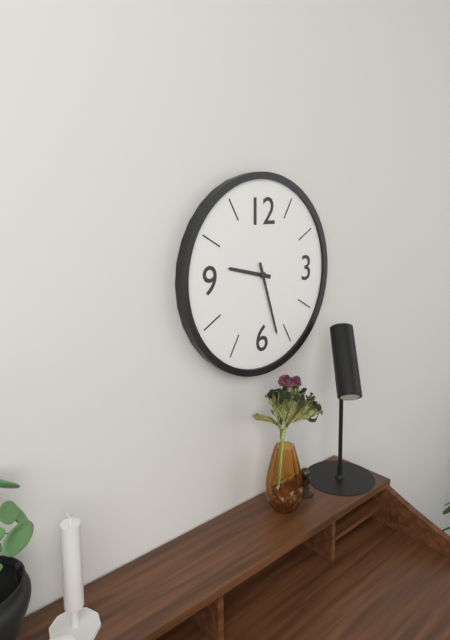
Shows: 9,27
